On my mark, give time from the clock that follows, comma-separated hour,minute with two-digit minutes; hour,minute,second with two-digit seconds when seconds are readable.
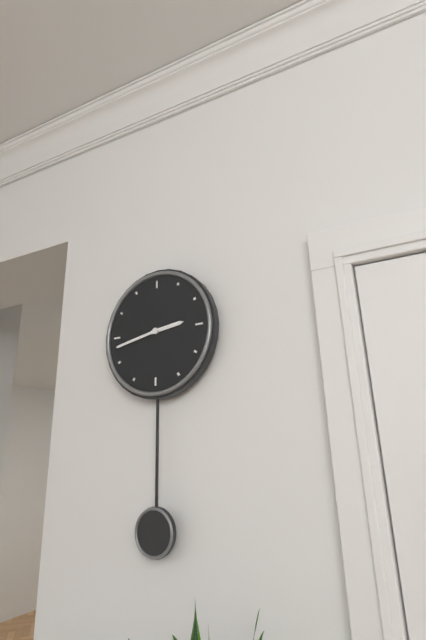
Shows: 2,43
